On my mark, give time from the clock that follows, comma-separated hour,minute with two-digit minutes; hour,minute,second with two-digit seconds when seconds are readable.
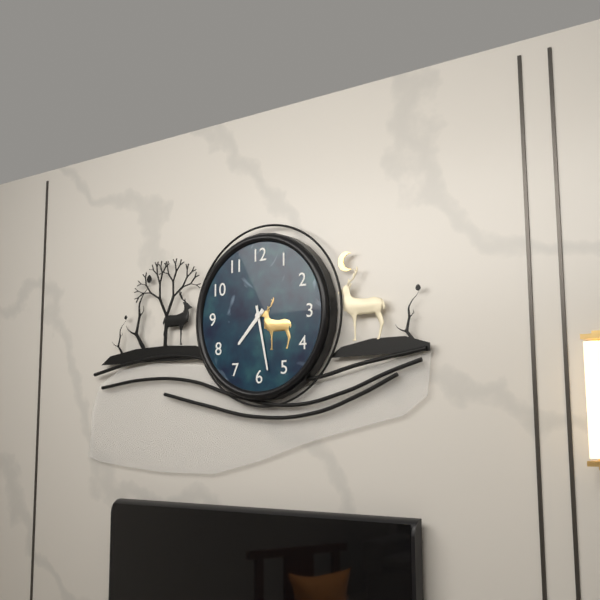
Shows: 7,28
